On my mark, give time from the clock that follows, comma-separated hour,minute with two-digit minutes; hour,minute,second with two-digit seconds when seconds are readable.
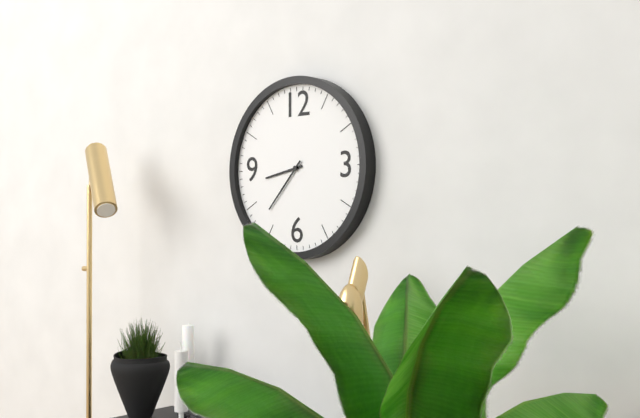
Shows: 8,37
